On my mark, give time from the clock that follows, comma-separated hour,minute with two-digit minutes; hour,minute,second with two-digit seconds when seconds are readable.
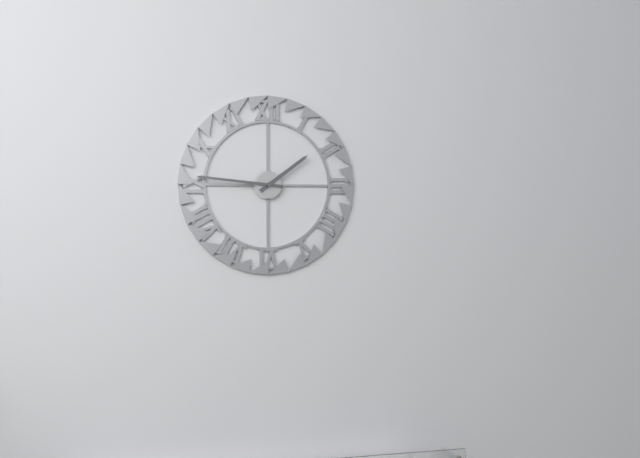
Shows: 1,46
